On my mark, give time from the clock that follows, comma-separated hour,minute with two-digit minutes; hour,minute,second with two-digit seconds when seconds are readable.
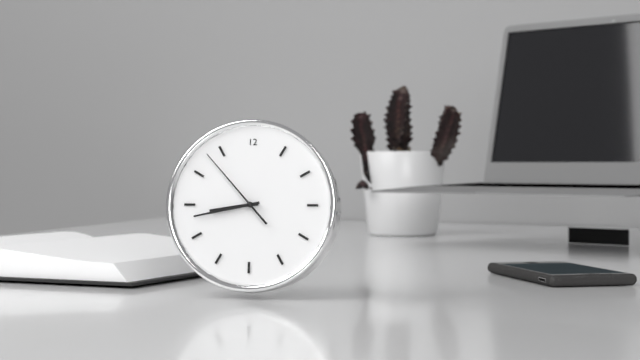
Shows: 8,43,53
